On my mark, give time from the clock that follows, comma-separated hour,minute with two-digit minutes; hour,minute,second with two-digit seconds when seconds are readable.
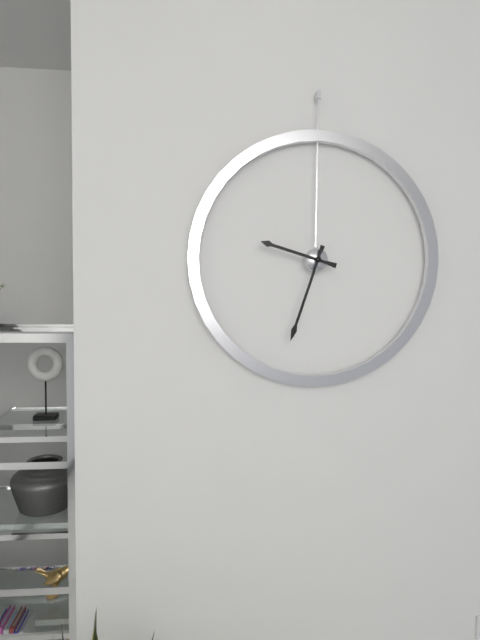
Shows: 9,33
